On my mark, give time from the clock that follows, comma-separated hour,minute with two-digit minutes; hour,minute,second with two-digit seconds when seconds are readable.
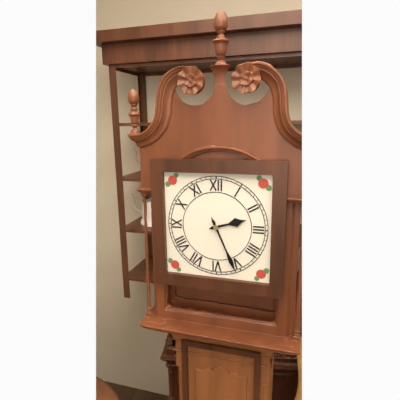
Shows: 2,26
